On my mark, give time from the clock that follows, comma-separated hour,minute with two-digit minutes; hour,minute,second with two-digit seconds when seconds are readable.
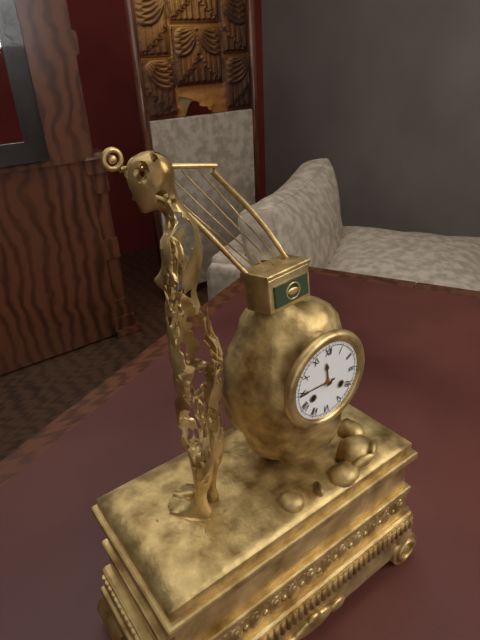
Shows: 11,45
